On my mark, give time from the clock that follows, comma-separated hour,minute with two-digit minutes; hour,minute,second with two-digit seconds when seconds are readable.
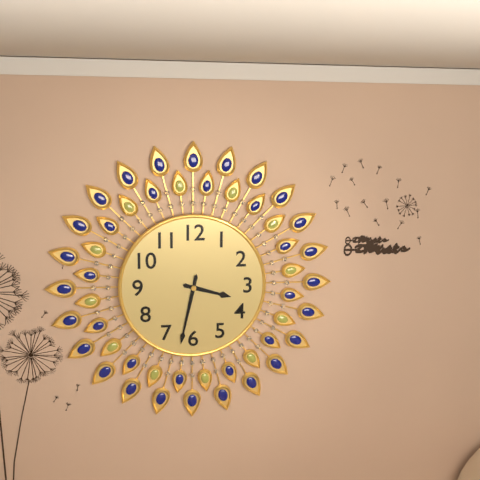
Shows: 3,32
